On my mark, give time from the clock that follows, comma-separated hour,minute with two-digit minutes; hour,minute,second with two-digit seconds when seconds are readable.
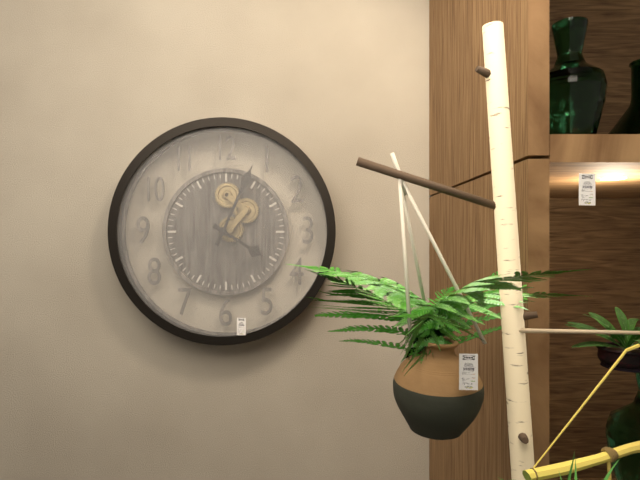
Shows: 4,04
